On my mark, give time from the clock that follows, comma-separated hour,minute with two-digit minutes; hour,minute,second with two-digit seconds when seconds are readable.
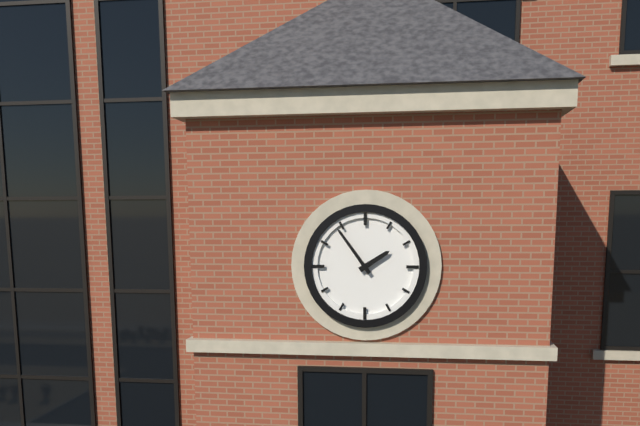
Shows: 1,54
